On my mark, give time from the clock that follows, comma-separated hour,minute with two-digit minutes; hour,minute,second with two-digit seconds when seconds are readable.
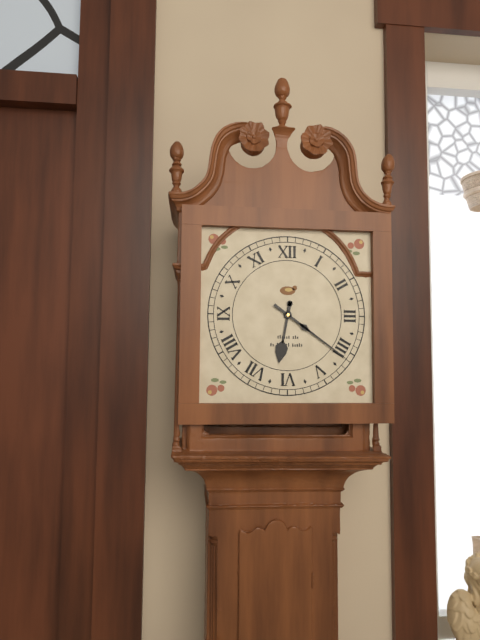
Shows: 6,21
